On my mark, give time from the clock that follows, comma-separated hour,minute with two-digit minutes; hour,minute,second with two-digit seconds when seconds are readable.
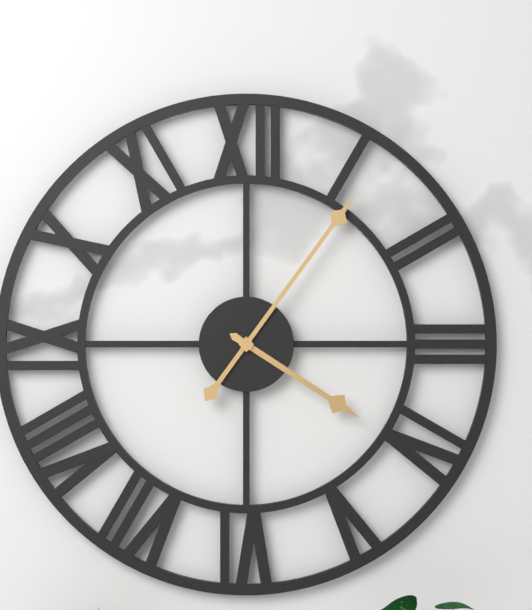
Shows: 4,06
